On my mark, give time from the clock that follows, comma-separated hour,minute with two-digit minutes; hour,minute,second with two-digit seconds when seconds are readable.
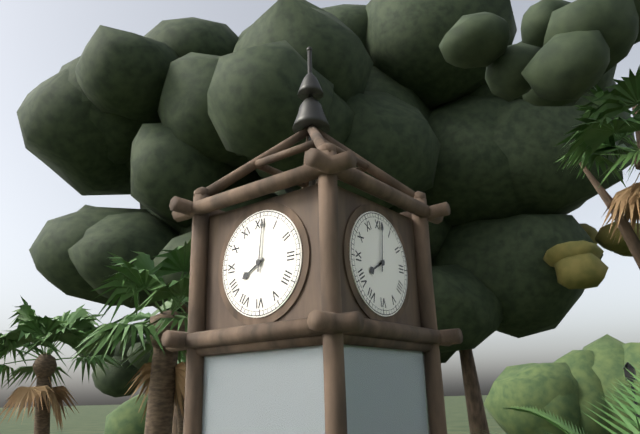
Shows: 8,01
